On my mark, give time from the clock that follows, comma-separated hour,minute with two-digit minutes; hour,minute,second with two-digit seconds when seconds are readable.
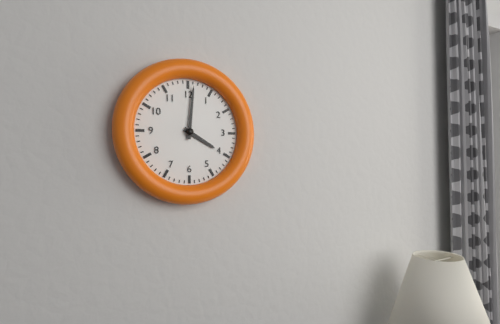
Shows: 4,01
